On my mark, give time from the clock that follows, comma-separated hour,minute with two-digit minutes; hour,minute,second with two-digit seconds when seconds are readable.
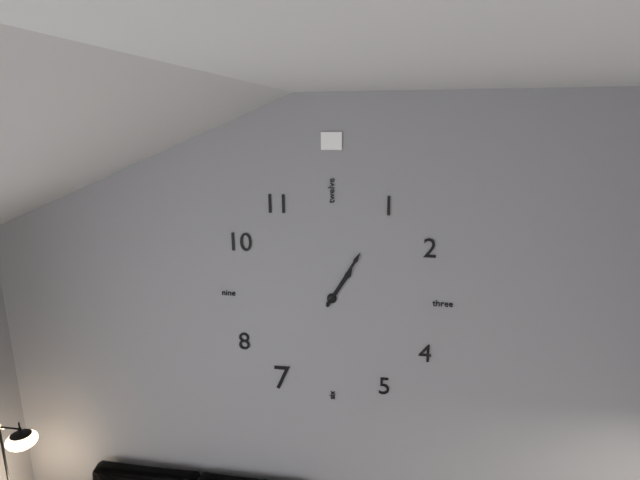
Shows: 1,05
